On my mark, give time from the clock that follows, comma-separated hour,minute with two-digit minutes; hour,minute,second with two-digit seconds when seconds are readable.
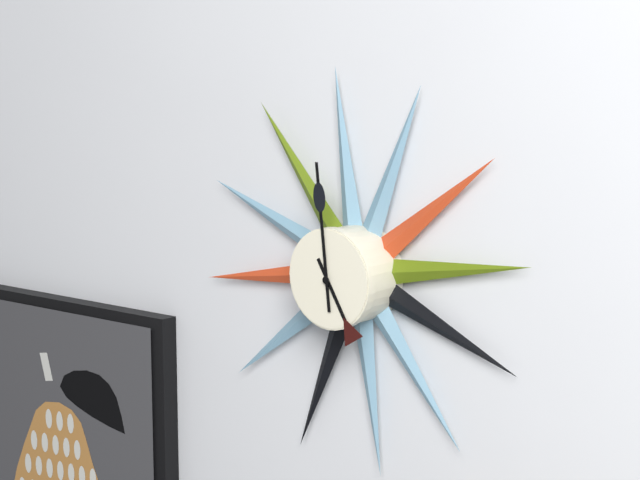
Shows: 4,59
